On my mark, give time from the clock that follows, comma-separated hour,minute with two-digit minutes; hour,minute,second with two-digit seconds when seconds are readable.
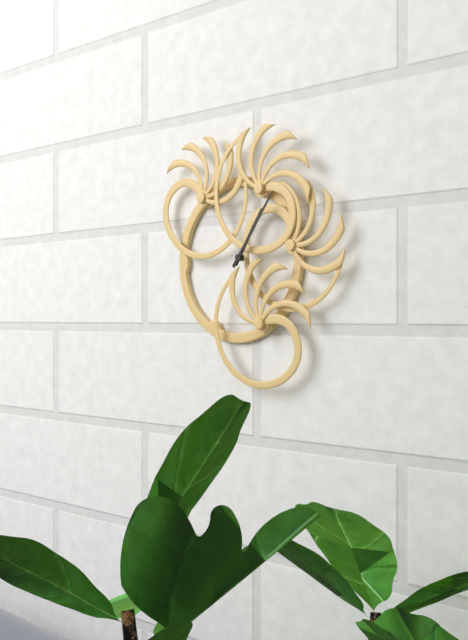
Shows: 1,06
